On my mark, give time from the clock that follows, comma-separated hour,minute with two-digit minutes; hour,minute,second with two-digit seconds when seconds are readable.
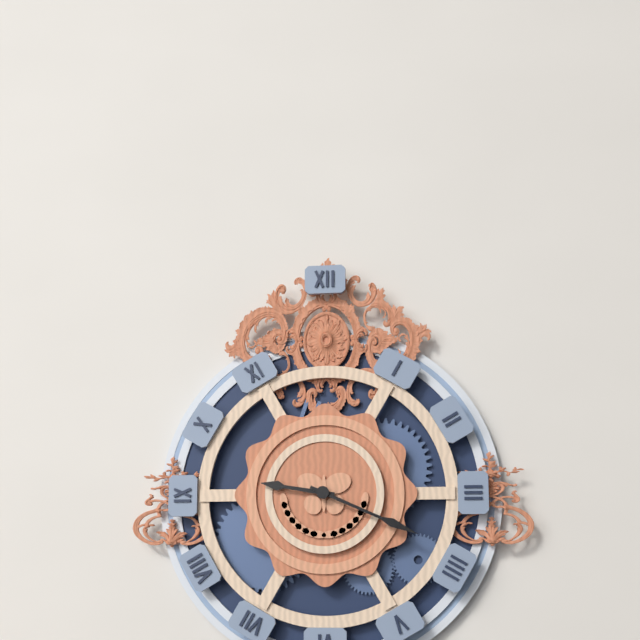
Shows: 9,19
